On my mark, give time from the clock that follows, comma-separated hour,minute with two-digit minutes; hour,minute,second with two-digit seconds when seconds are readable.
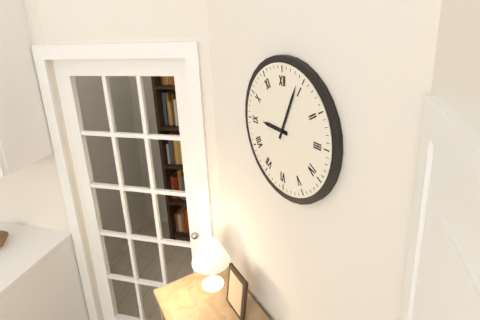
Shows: 9,04
